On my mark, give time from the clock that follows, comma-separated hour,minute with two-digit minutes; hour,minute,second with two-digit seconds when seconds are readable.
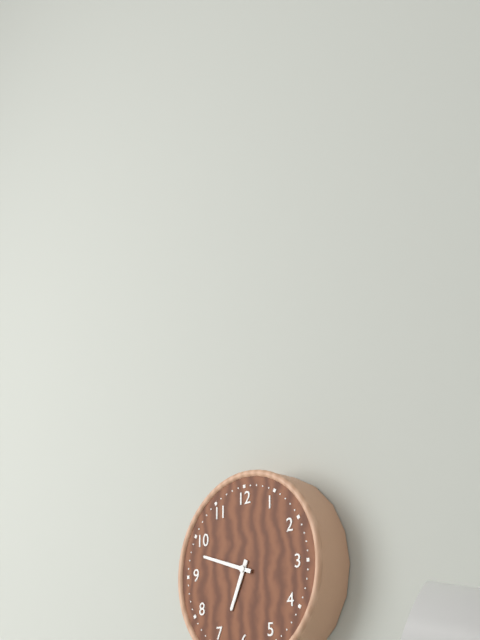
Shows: 6,48
